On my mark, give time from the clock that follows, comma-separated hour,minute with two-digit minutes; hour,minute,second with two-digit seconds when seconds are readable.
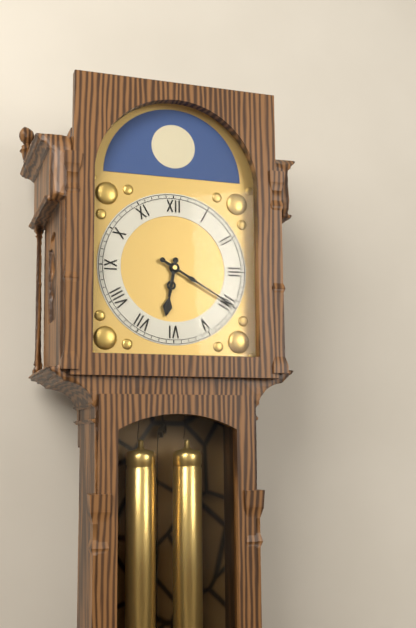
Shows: 6,20
